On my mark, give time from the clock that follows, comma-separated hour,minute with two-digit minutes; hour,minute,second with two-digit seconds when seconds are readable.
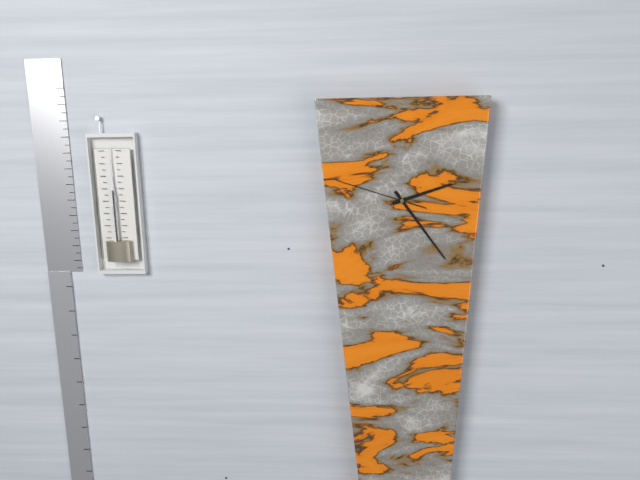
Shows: 2,24,48
